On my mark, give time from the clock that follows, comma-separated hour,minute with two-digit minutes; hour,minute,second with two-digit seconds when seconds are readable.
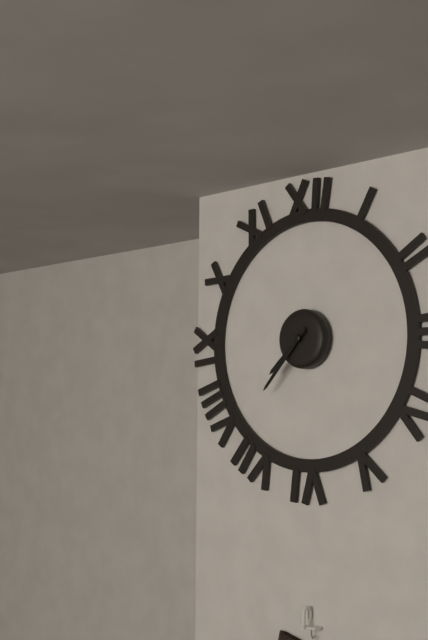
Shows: 7,37
